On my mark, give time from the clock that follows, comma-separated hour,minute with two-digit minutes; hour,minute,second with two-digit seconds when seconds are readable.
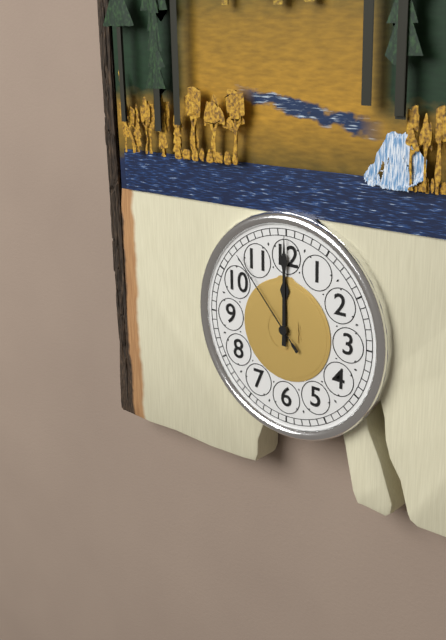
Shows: 12,00,53
